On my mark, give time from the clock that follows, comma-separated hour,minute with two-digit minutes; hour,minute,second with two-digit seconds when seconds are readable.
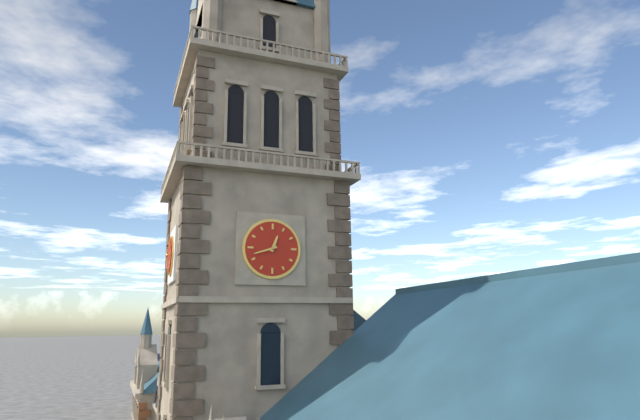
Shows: 12,42
